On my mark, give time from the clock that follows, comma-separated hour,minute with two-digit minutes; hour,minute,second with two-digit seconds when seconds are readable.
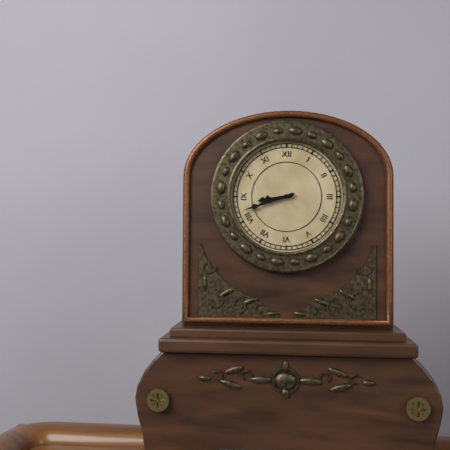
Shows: 8,42
